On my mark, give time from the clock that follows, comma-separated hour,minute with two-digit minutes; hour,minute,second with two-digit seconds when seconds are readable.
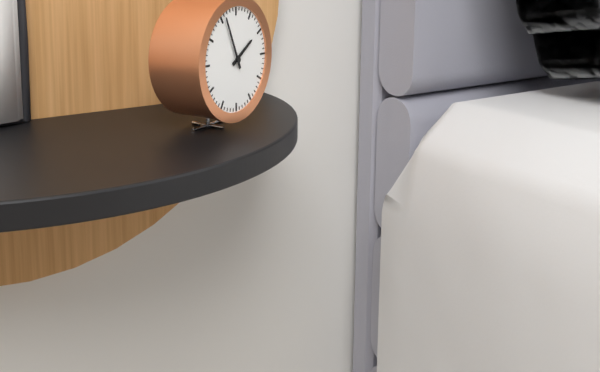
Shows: 1,56
